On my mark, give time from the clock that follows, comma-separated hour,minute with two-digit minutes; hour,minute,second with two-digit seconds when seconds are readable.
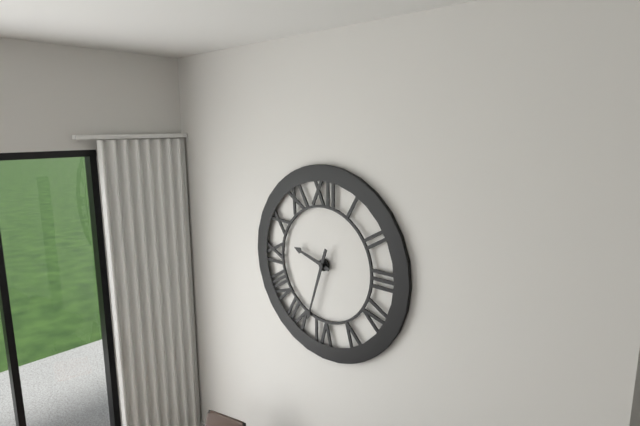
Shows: 9,33
